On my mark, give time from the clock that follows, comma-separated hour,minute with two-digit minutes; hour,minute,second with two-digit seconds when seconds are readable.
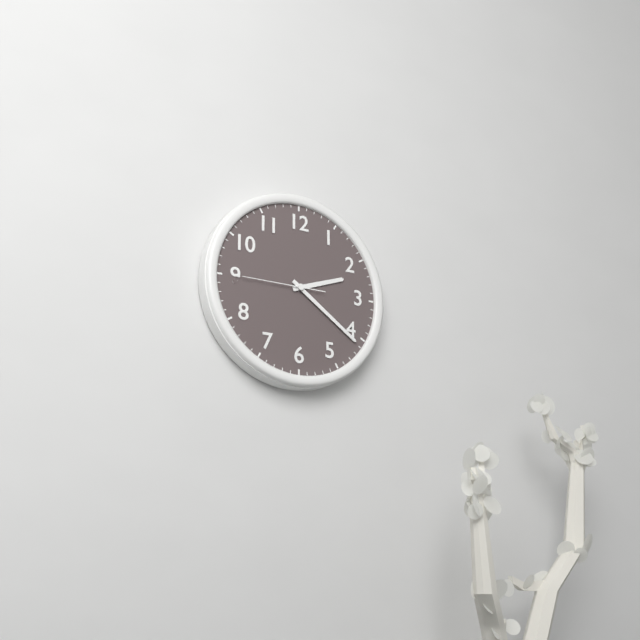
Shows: 2,21,45
